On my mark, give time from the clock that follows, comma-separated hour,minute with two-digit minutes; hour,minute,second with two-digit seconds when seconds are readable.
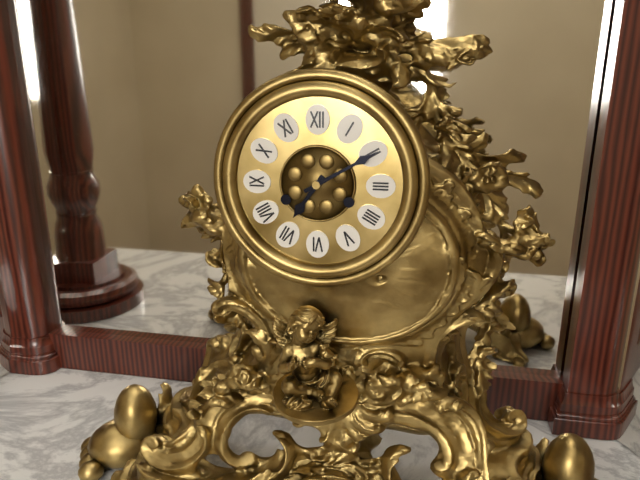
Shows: 7,10
